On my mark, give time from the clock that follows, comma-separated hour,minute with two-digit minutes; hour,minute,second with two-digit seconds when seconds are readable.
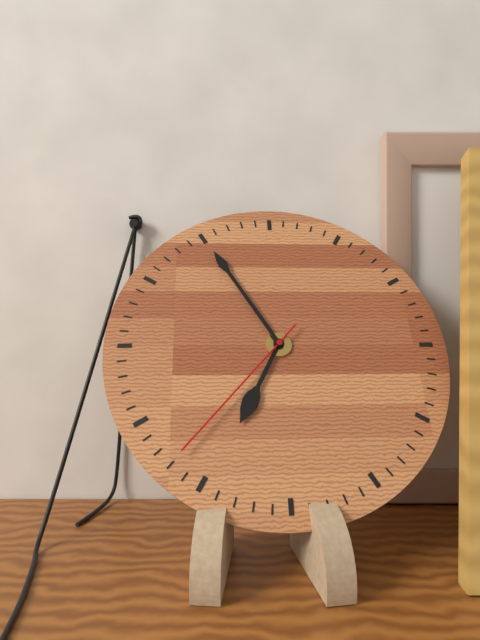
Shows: 6,55,37
